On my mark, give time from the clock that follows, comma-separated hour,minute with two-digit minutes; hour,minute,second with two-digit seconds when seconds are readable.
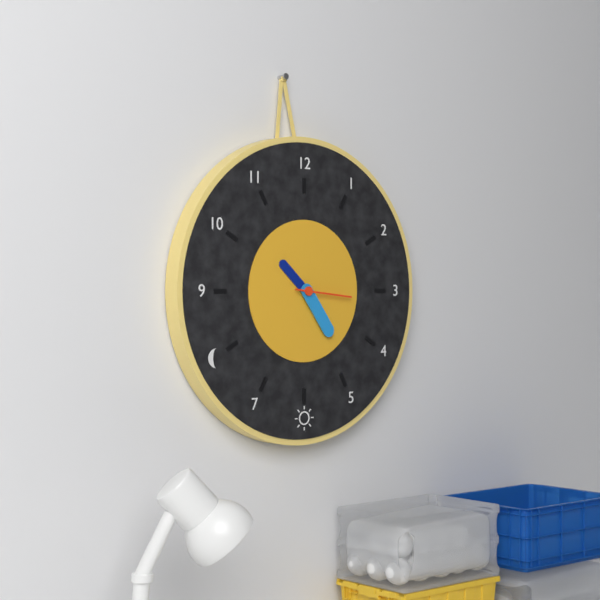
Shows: 10,24,16
